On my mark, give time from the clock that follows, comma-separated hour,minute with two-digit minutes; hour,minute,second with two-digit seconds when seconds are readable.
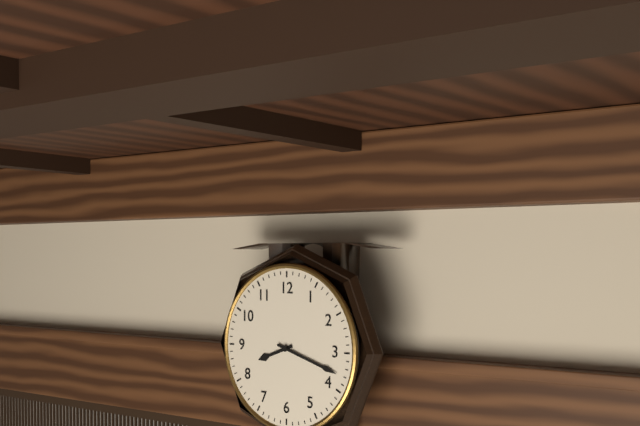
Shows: 8,18
